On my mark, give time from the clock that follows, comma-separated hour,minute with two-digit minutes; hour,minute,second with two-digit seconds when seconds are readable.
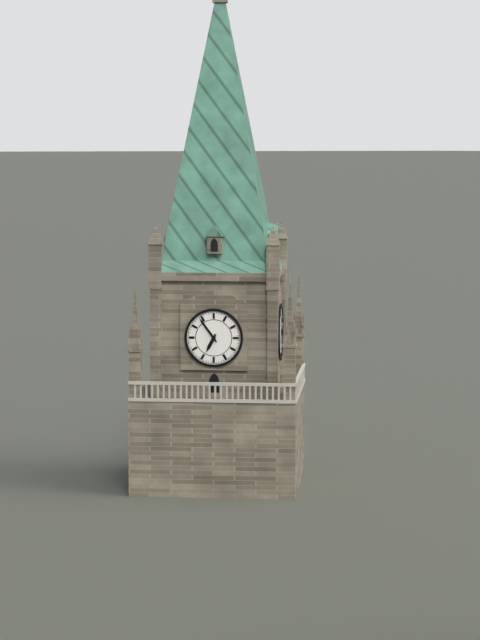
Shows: 6,54
